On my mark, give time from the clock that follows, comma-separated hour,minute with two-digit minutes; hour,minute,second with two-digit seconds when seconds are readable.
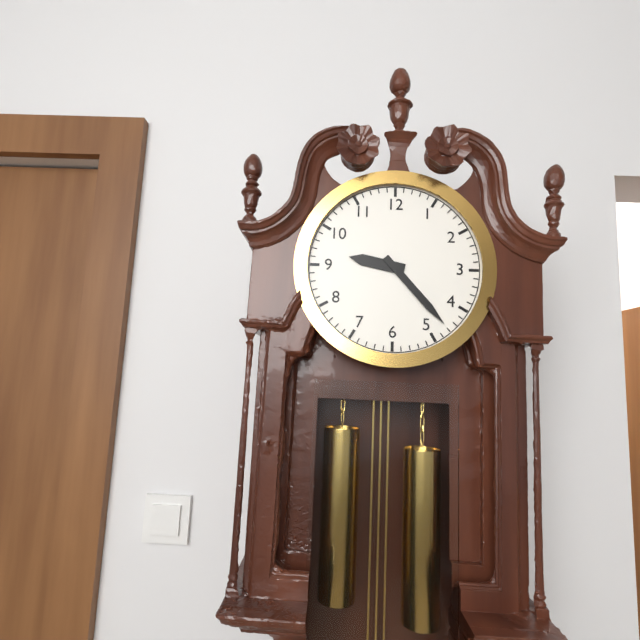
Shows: 9,23
